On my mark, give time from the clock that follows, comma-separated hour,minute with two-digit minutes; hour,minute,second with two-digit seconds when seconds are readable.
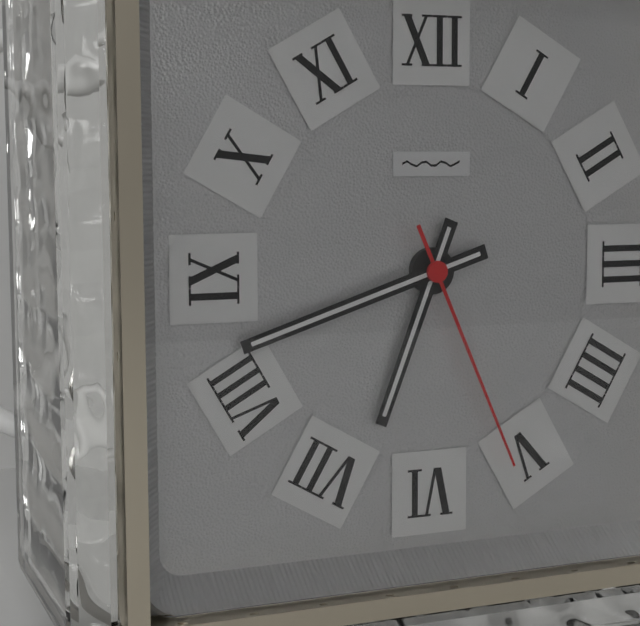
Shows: 6,42,26
